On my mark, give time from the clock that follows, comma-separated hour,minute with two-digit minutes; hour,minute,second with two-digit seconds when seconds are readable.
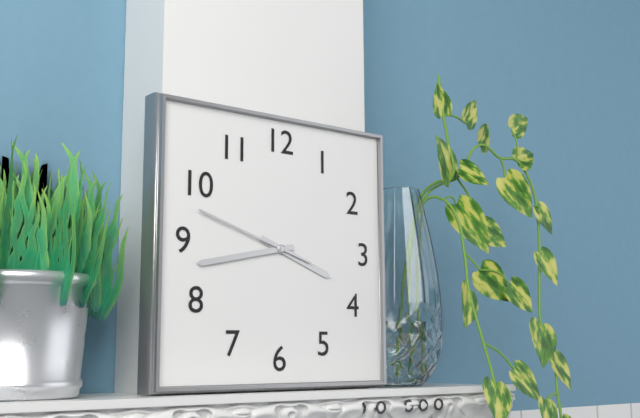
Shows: 3,43,48
